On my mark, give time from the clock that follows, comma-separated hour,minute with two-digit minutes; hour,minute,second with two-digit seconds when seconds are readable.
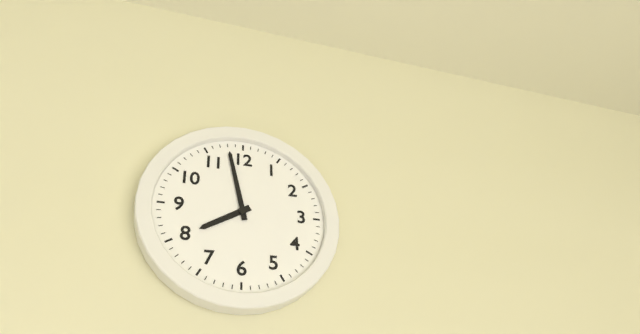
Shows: 7,58
